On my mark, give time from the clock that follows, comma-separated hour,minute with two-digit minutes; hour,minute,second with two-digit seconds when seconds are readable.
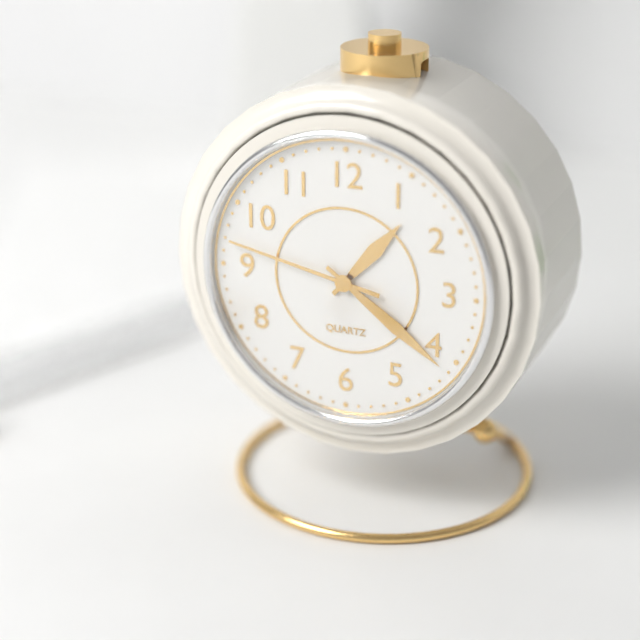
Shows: 1,21,47
